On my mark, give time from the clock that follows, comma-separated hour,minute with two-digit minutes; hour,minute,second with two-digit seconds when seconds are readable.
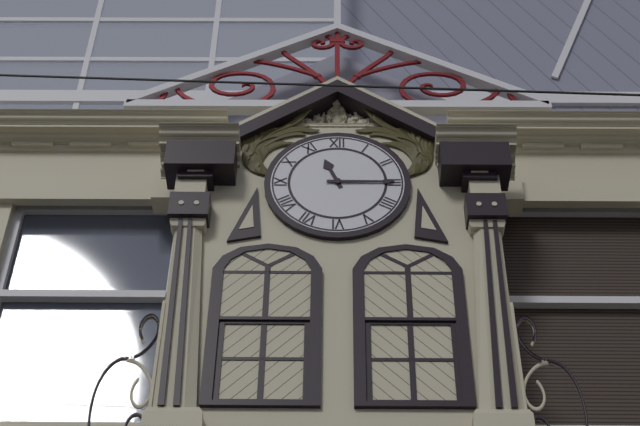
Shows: 11,15
